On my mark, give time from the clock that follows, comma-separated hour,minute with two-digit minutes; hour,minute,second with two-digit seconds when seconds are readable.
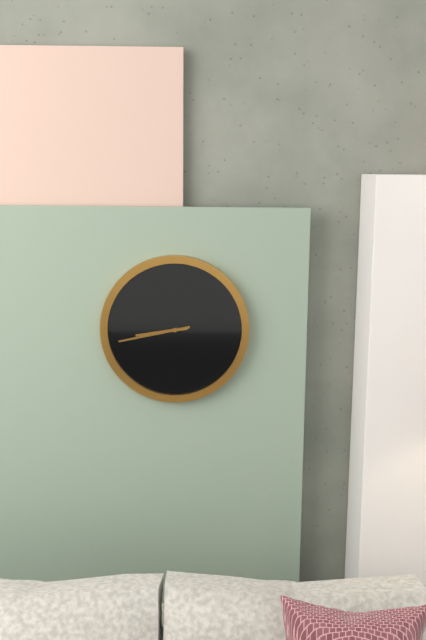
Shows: 8,43
